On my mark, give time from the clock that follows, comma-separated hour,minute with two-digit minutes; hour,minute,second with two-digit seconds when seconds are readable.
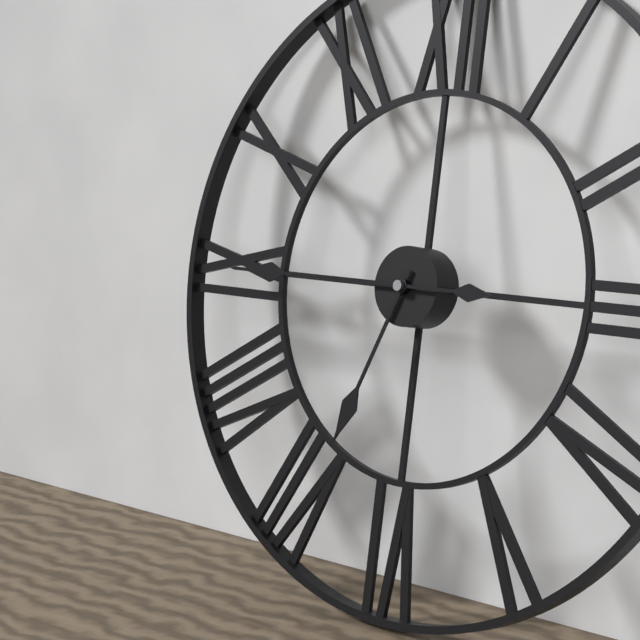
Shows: 6,45
